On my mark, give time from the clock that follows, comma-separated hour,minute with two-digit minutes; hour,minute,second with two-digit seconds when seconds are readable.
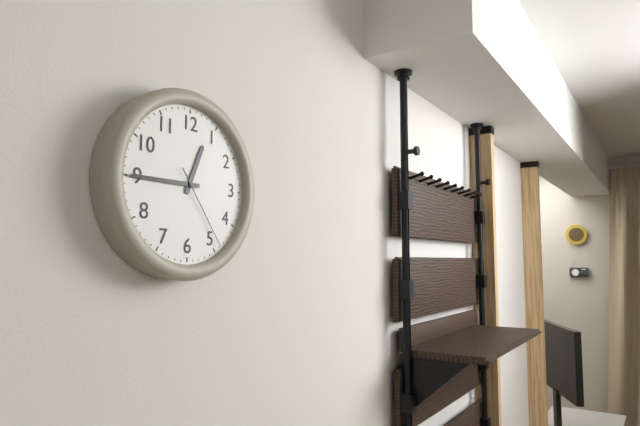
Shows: 12,45,24
